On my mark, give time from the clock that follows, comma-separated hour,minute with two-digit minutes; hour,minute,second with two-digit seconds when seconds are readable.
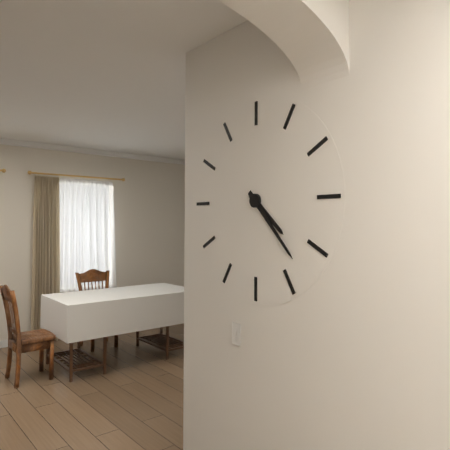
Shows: 4,23
